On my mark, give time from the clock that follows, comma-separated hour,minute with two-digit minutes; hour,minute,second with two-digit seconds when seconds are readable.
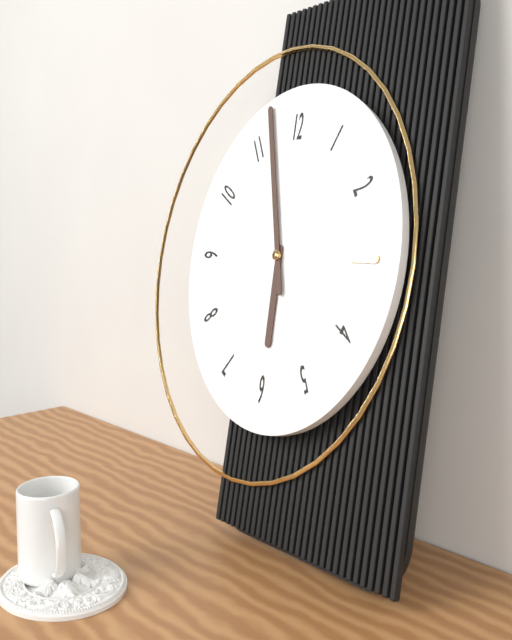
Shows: 5,57
